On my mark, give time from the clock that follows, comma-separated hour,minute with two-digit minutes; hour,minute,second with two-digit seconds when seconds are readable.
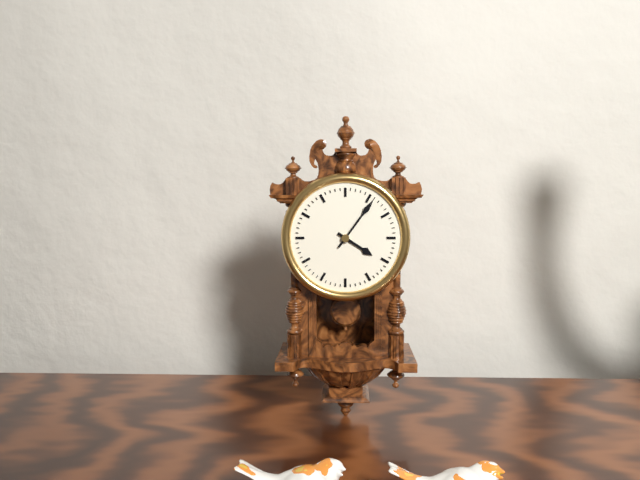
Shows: 4,06
